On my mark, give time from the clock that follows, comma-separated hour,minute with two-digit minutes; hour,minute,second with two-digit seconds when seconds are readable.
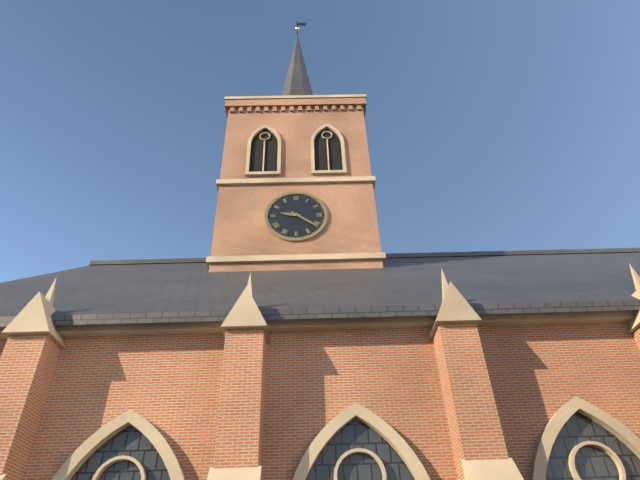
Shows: 9,21
